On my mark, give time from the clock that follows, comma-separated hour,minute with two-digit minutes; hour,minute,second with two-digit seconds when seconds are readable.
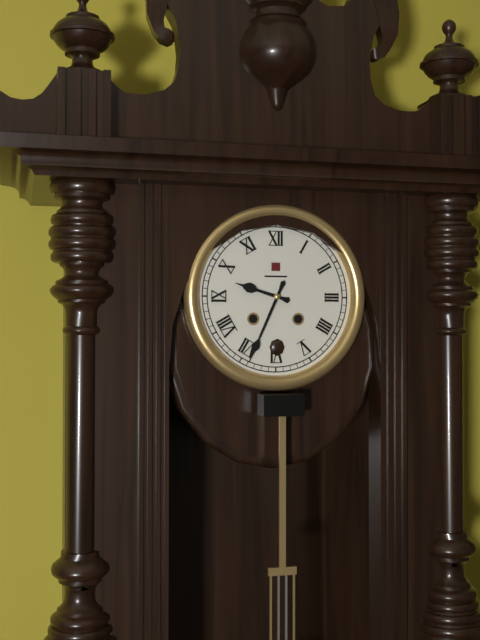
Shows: 9,34
